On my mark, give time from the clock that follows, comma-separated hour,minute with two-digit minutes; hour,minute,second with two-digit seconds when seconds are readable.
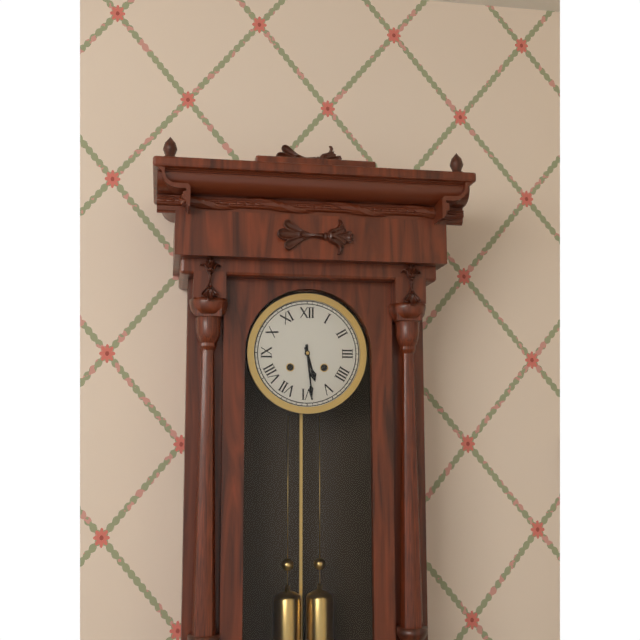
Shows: 5,29
